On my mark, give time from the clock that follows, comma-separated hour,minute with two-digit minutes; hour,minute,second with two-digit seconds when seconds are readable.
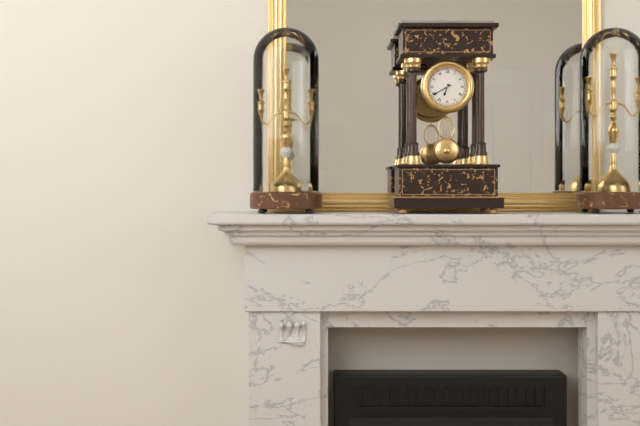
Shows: 6,40
